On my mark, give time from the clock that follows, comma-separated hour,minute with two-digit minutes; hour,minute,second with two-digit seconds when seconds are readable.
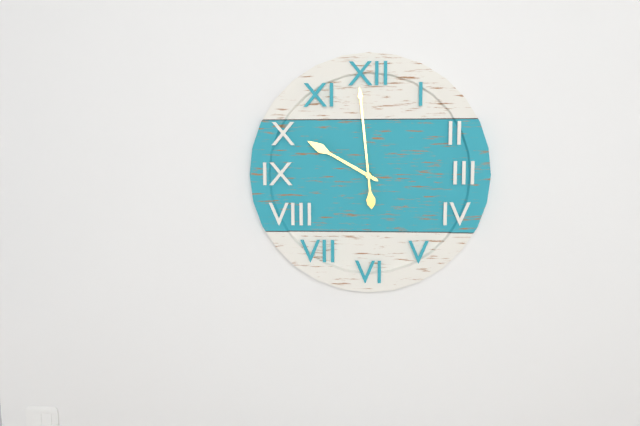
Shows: 9,59
